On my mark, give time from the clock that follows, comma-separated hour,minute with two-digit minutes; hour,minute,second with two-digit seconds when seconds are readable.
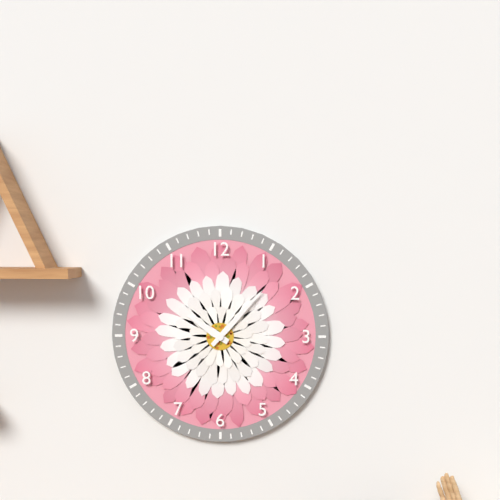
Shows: 10,07
